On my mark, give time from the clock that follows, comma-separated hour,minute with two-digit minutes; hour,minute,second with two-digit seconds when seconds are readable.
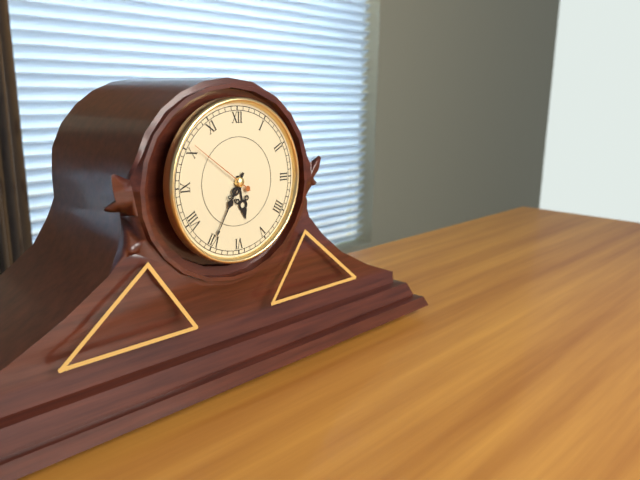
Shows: 5,35,51
